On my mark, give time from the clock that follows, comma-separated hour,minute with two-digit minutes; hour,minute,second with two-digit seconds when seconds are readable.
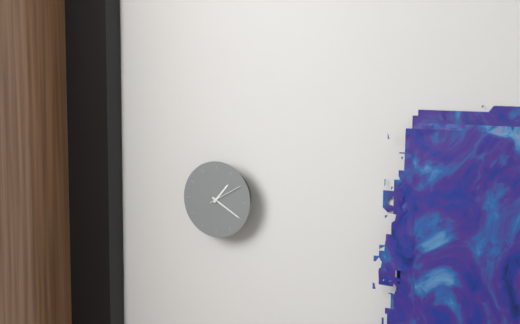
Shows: 1,20
